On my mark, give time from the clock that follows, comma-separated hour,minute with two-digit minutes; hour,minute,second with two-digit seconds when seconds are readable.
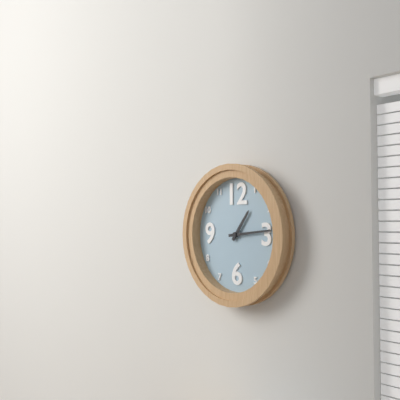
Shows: 1,14
